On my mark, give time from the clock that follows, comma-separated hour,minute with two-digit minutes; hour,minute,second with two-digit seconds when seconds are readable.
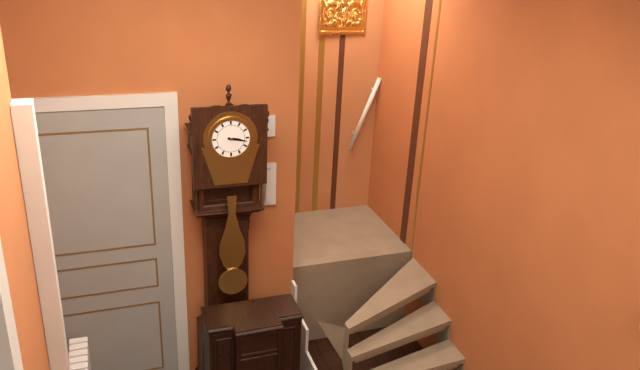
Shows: 3,17
